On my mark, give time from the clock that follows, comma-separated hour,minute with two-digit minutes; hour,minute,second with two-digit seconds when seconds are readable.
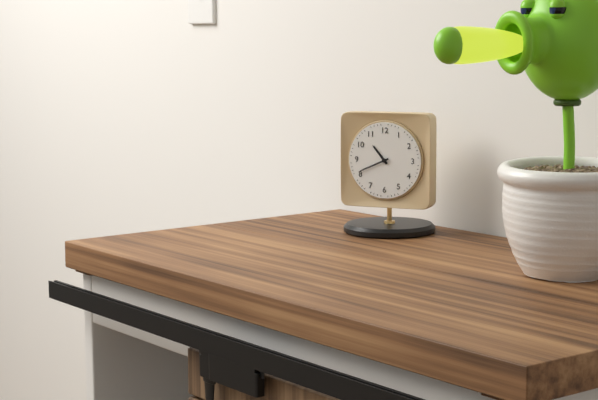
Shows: 10,41
